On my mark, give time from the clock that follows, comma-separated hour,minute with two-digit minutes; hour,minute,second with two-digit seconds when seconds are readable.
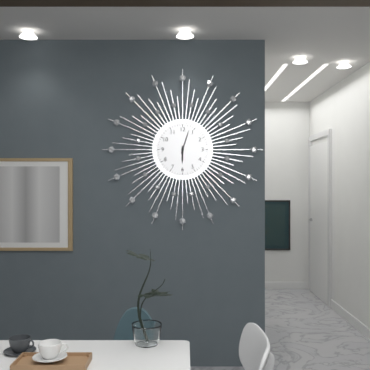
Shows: 6,03
